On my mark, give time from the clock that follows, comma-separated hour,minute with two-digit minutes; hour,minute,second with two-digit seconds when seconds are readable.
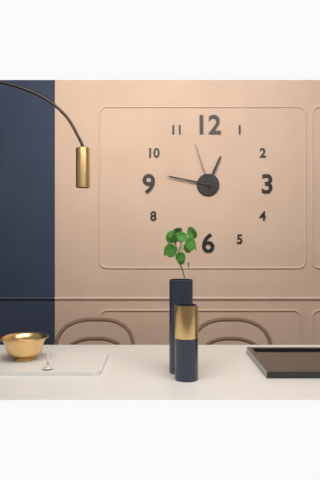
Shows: 12,47,57
